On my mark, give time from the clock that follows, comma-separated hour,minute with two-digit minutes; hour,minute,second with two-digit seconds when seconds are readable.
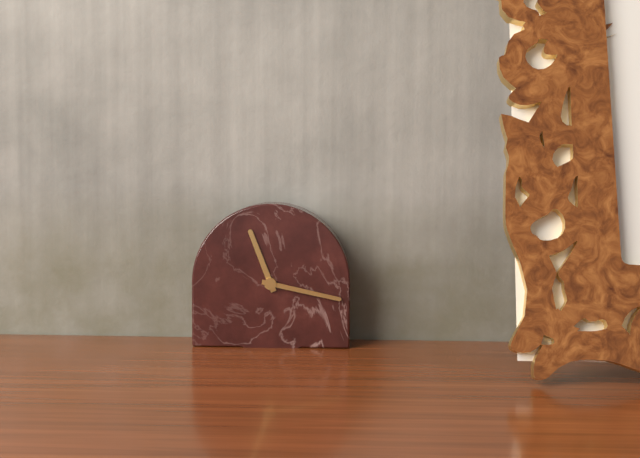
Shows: 11,17
